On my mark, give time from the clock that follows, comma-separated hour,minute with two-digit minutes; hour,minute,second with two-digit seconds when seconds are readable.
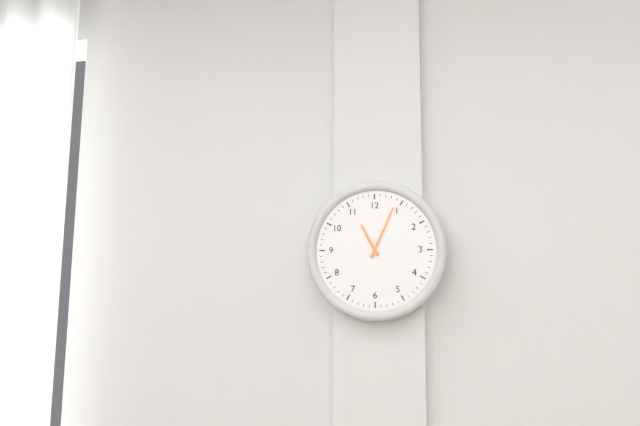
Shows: 11,04
